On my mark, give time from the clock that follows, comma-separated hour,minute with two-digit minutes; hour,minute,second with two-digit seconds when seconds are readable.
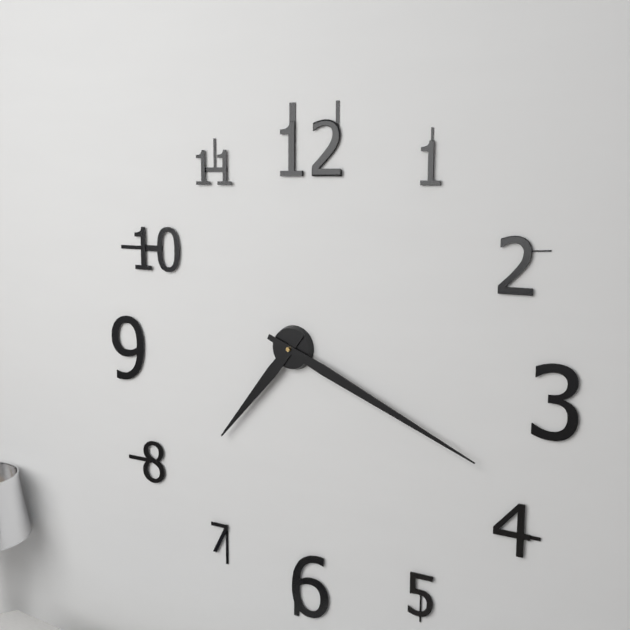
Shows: 7,19
